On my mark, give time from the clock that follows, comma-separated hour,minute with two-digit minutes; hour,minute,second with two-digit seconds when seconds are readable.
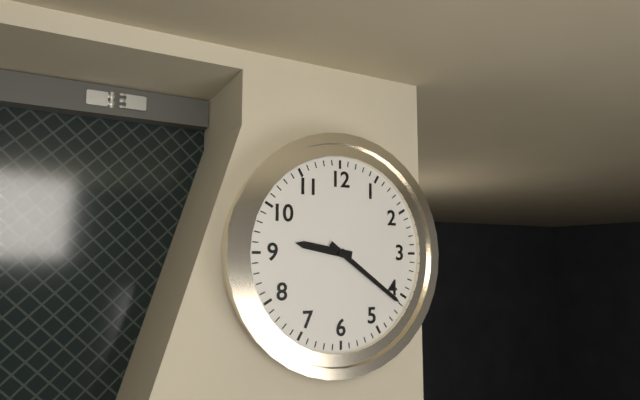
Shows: 9,21
